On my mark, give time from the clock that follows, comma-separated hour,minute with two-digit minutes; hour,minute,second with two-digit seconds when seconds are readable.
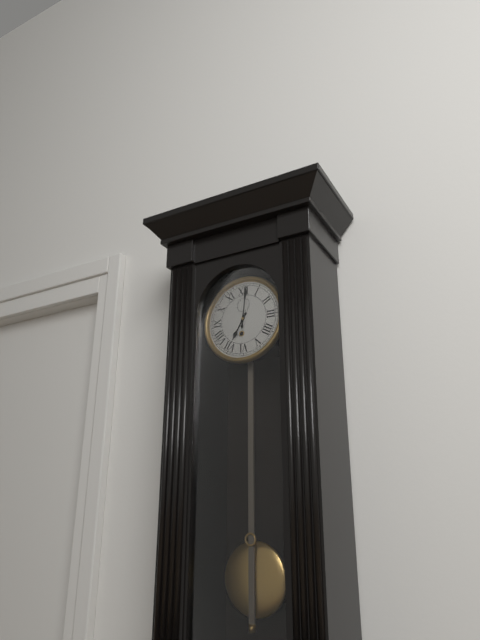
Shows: 7,01
